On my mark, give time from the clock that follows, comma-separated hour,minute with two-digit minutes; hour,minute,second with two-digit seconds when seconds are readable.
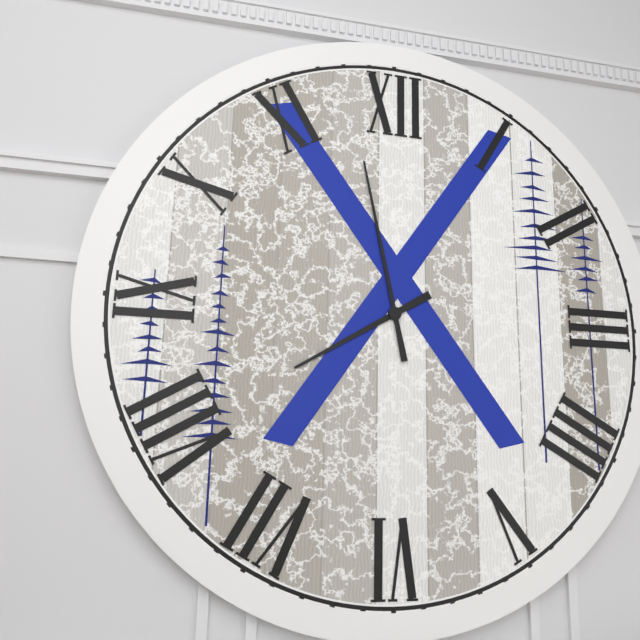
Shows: 7,58
